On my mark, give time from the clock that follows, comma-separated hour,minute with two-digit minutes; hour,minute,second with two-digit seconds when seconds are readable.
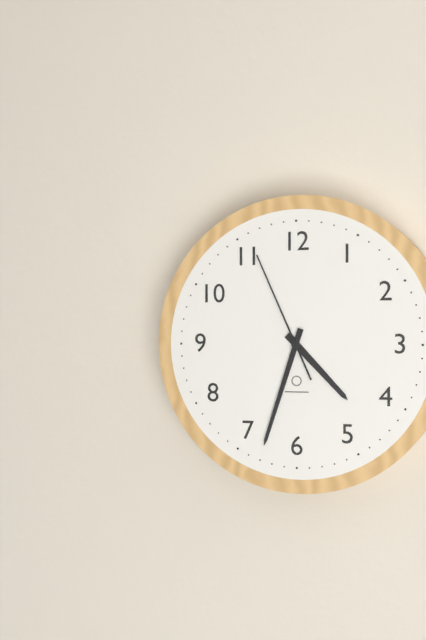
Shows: 4,33,56
